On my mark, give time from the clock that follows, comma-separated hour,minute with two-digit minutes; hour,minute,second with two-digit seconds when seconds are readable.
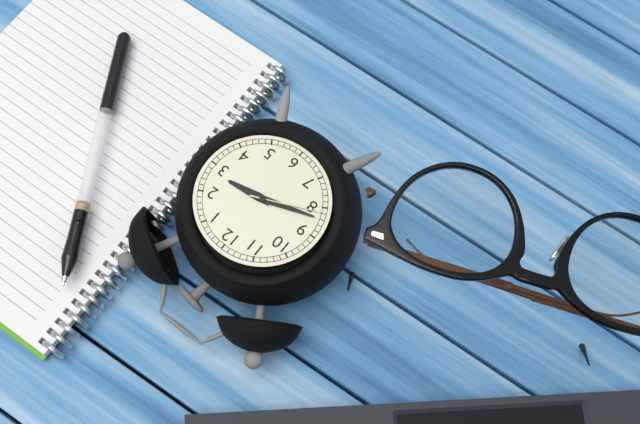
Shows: 2,42,41
